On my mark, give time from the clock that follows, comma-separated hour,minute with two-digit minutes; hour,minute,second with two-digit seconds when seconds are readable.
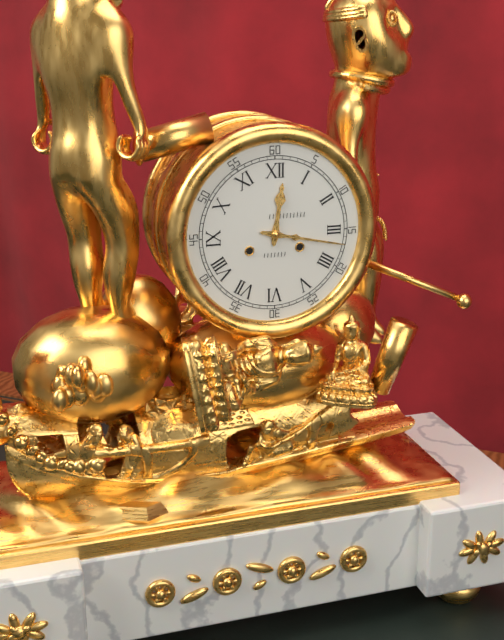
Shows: 12,17
